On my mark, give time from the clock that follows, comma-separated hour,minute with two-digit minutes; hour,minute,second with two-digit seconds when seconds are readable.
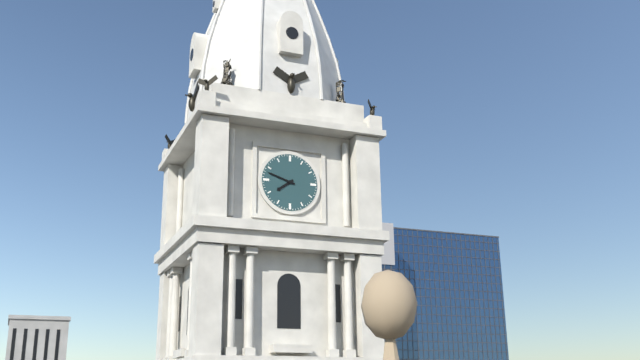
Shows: 7,48
